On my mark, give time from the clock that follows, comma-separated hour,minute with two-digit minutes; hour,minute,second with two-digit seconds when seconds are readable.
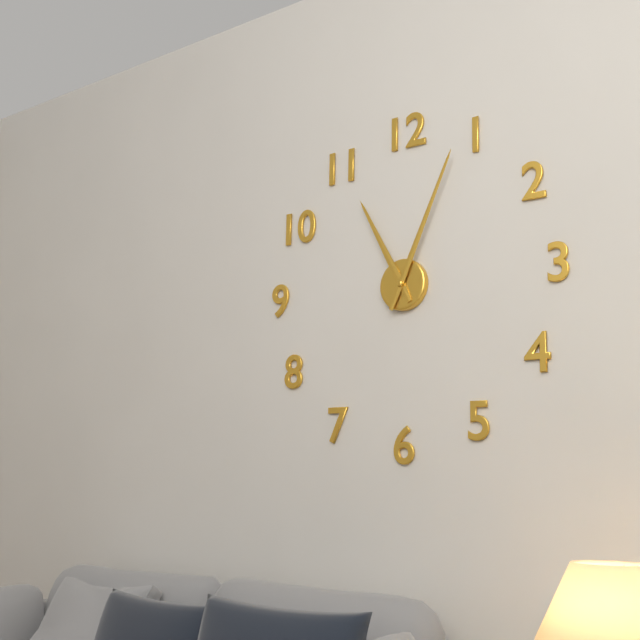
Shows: 11,04
